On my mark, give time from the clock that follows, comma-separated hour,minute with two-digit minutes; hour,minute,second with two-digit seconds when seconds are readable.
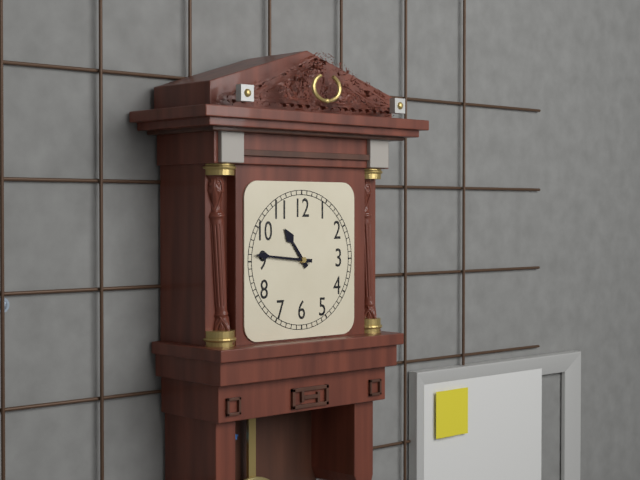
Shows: 10,46
